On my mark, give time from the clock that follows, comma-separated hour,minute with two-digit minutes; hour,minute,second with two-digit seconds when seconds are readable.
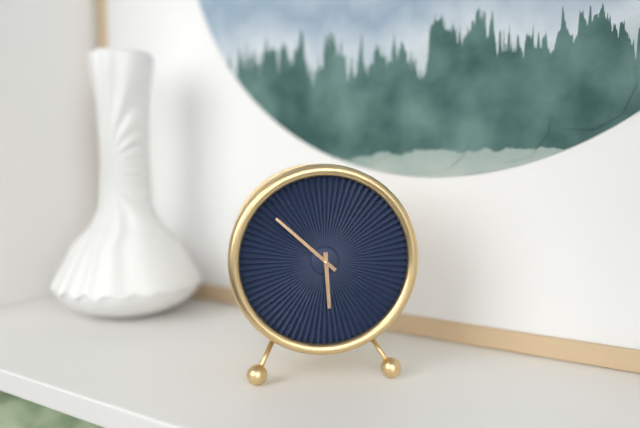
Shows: 5,52
